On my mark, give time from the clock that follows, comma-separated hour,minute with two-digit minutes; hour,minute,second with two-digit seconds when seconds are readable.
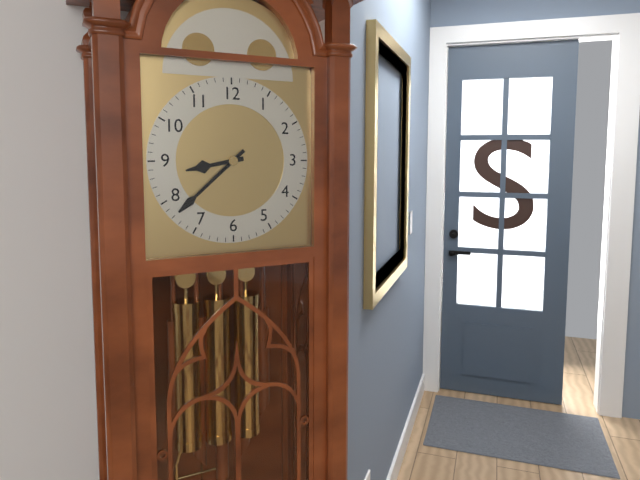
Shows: 8,38
